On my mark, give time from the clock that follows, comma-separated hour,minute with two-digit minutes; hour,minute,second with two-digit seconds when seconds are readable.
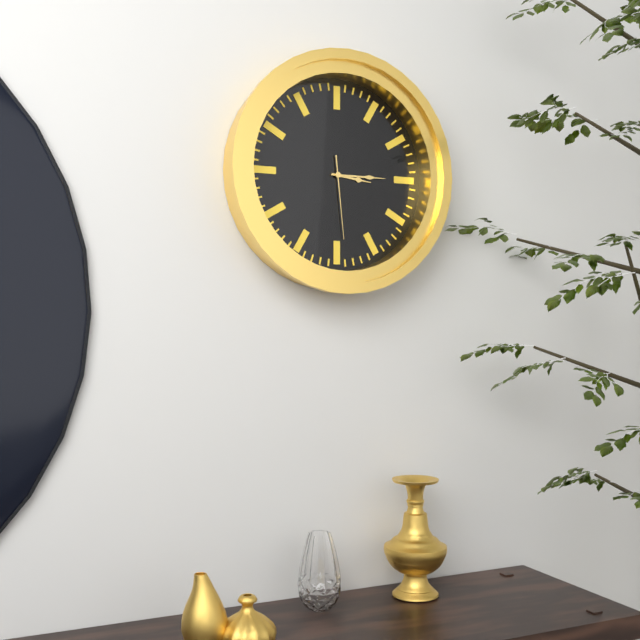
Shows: 3,15,29
